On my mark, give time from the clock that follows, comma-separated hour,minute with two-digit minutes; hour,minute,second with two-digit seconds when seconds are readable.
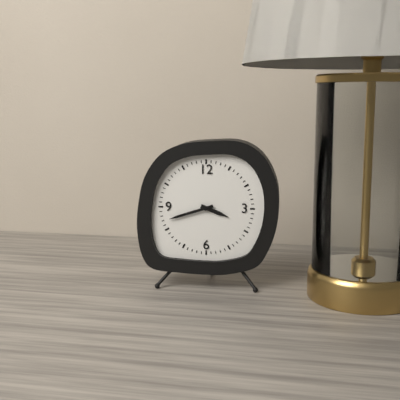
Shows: 3,42
